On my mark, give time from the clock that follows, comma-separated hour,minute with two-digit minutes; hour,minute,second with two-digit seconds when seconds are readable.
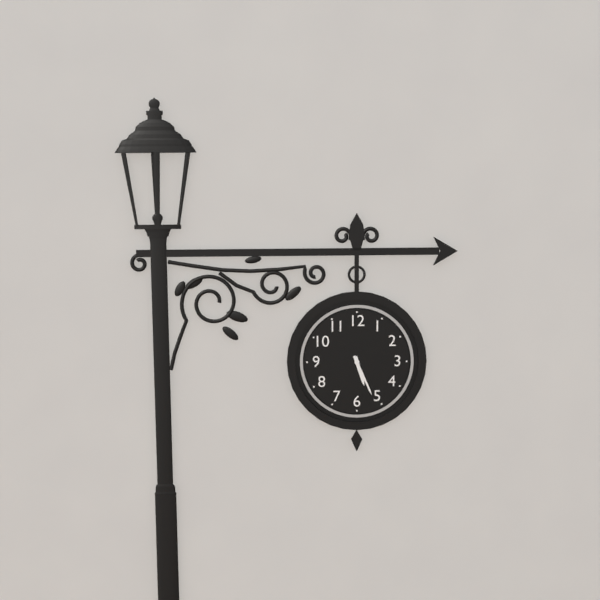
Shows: 5,26
